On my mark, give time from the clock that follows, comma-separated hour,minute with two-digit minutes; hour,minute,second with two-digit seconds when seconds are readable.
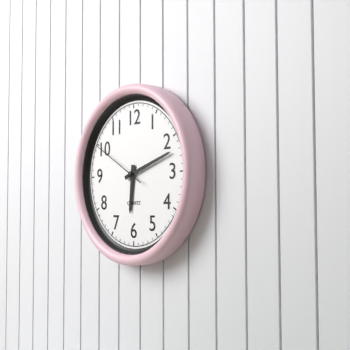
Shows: 6,12,50
